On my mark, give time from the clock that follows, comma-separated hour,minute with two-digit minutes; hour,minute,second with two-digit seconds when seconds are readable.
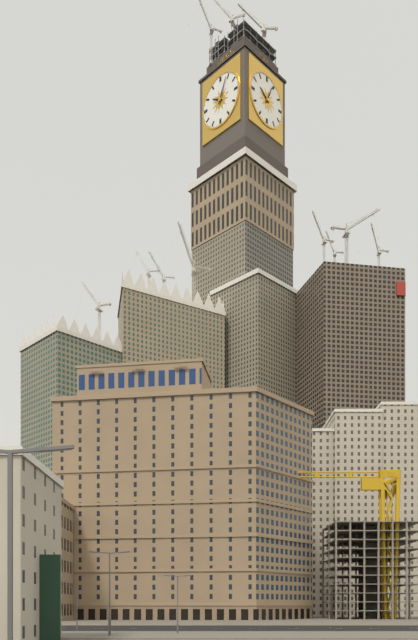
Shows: 10,04
